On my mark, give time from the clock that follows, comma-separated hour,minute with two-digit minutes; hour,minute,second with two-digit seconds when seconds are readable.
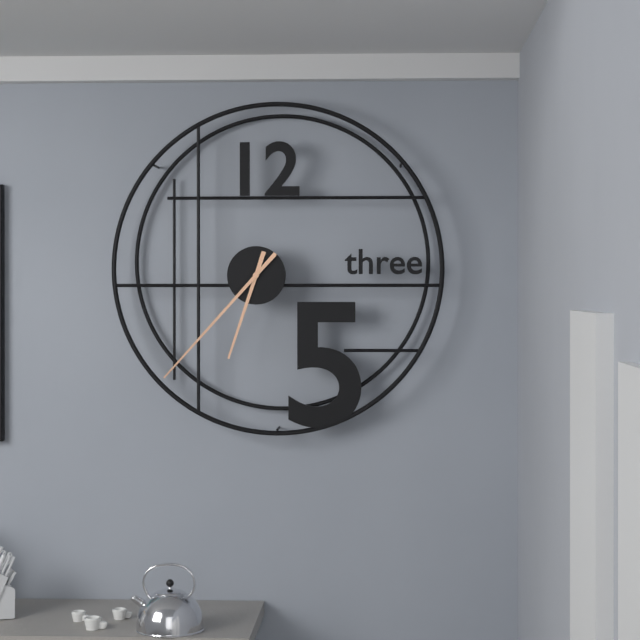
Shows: 6,37
